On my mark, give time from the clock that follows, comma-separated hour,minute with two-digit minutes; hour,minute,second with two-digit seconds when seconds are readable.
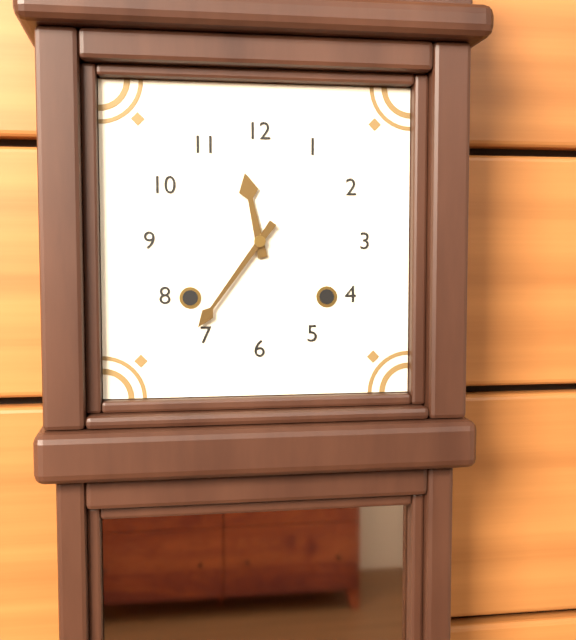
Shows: 11,36
